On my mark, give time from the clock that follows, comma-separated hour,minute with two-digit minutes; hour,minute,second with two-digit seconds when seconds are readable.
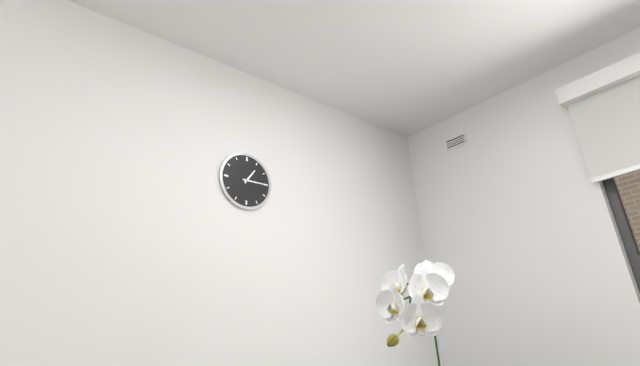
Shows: 1,15
